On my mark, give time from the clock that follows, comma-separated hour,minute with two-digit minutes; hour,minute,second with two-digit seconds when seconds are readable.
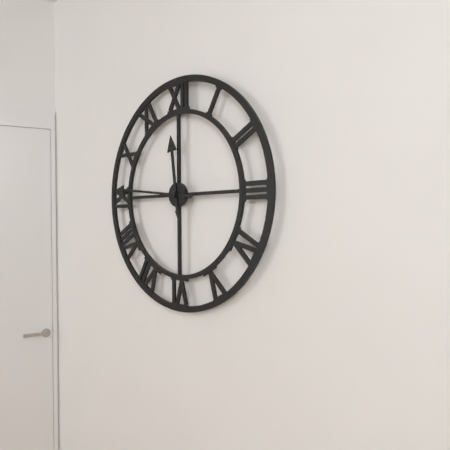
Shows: 11,46
